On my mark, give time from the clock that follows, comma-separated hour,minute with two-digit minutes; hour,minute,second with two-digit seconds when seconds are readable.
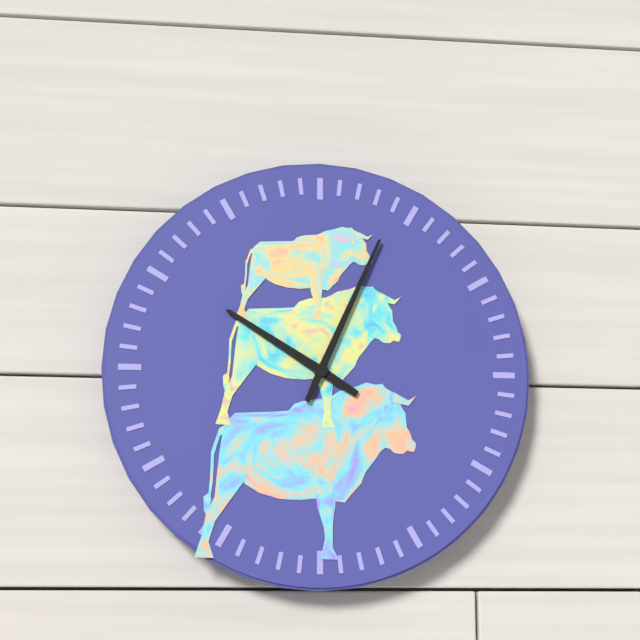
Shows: 10,04
